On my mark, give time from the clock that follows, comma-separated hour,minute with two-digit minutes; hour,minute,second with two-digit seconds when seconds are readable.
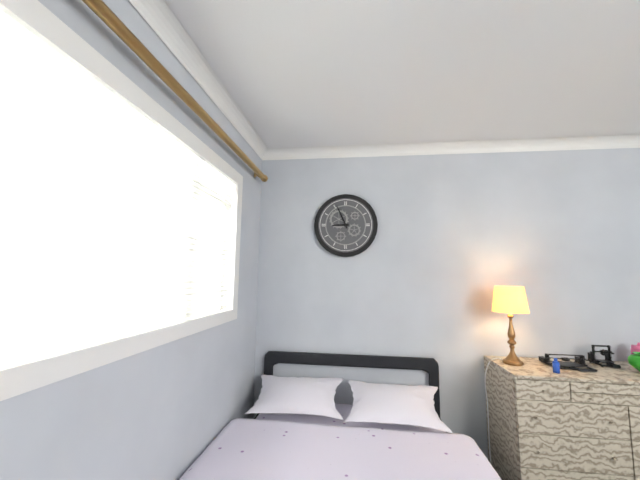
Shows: 8,56
